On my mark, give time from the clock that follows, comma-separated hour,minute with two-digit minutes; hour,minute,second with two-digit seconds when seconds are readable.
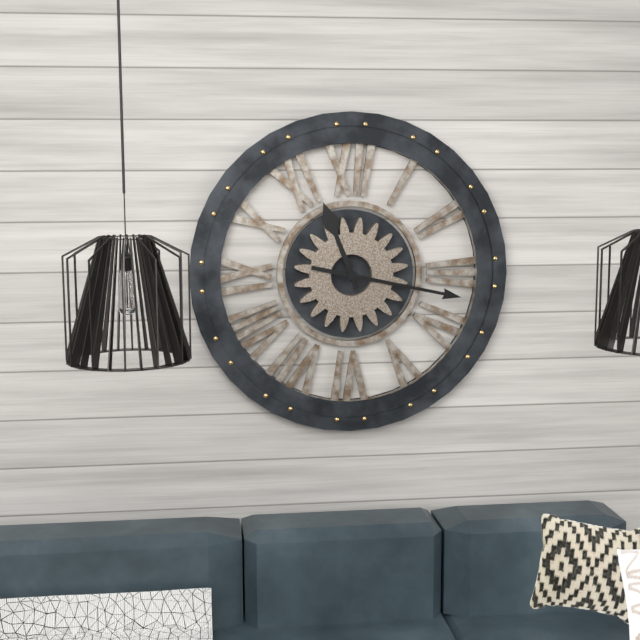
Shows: 11,17
